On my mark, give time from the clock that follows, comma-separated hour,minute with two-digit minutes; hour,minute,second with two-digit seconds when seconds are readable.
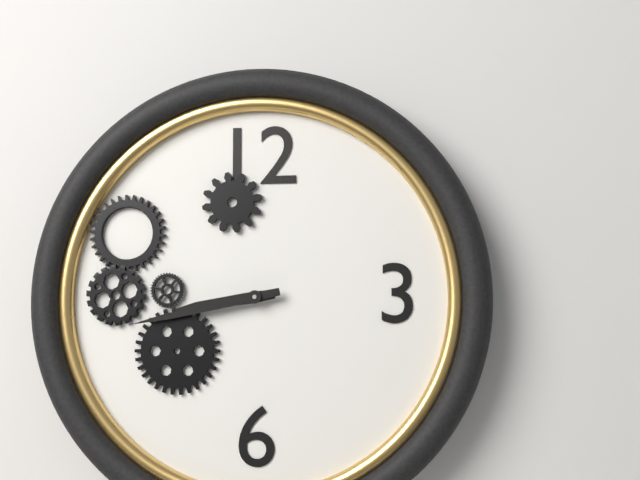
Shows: 8,43
